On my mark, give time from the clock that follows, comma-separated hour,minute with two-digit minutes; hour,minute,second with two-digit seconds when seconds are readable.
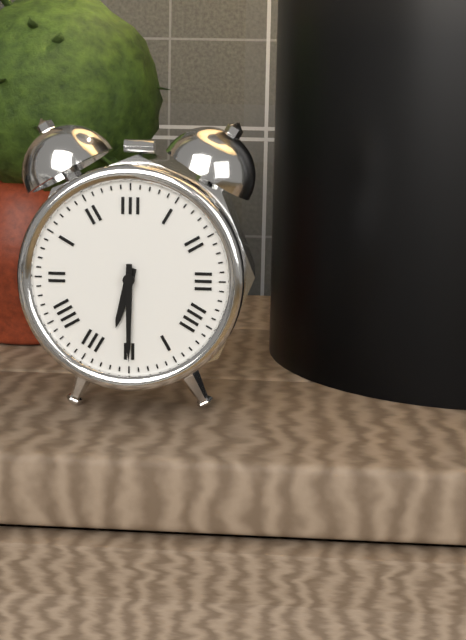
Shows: 6,30
